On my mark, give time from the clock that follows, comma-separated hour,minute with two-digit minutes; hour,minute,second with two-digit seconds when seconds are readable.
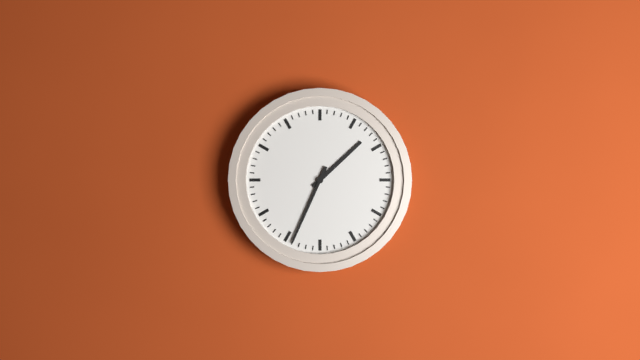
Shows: 1,34
